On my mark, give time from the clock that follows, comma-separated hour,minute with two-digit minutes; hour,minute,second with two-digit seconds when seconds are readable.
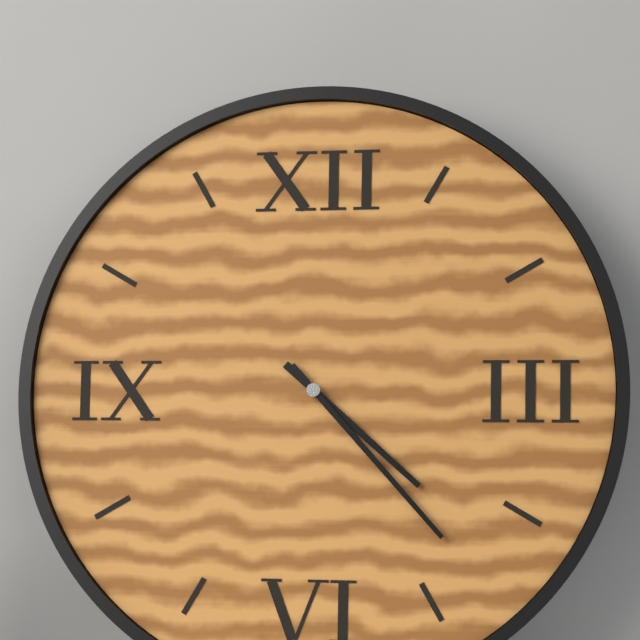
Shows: 4,23
